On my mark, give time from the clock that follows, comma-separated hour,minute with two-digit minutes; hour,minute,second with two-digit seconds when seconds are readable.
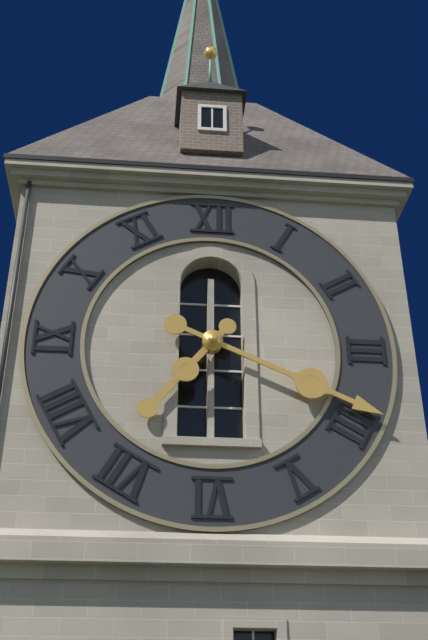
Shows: 7,19
